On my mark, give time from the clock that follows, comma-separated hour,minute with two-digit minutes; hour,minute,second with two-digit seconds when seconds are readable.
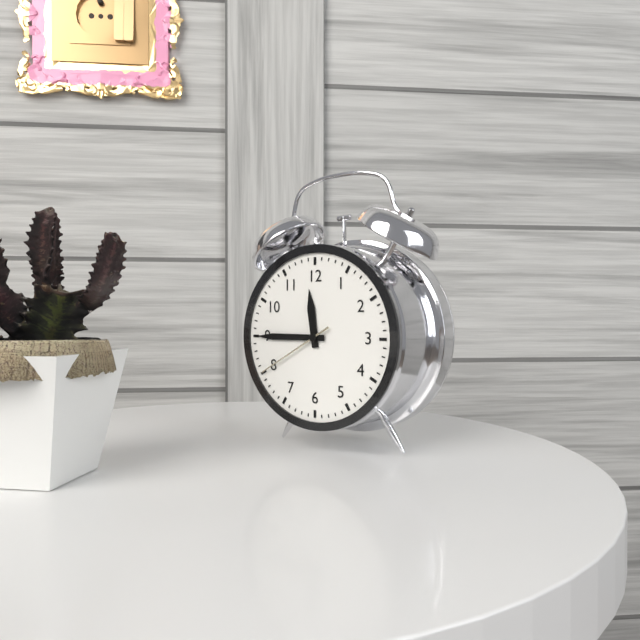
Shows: 11,45,40
